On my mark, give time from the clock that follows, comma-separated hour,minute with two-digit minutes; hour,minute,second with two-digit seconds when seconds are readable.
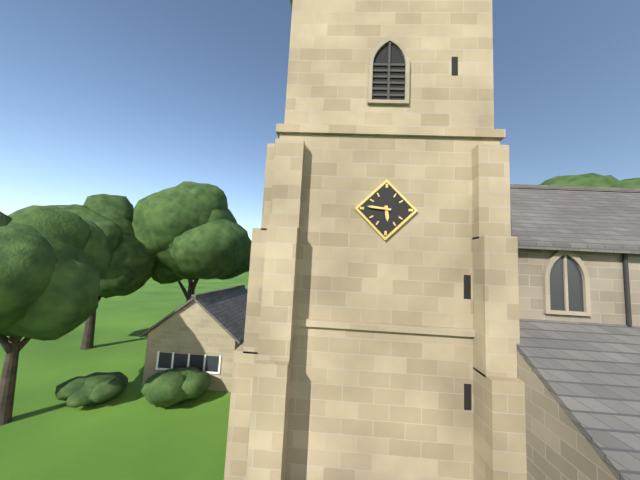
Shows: 5,46
